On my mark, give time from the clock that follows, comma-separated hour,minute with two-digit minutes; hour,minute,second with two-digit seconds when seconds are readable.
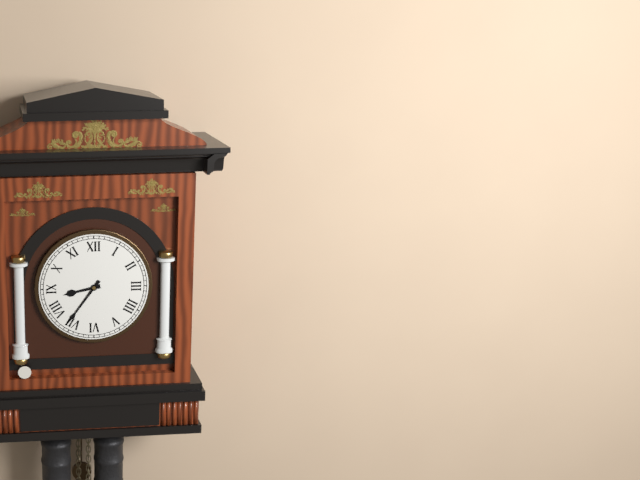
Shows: 8,36
